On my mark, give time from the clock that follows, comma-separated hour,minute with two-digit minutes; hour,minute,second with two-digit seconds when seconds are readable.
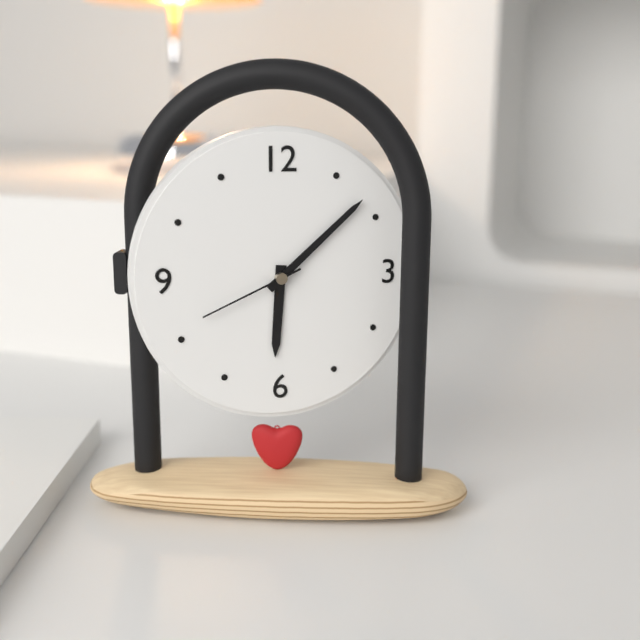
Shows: 6,08,41
